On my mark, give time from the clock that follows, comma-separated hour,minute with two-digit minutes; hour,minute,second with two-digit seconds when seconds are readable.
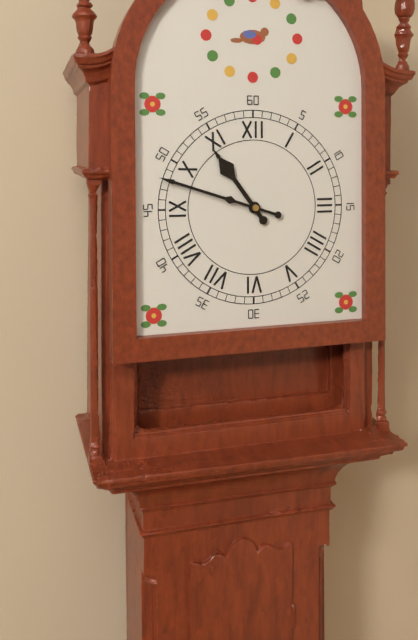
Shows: 10,48
